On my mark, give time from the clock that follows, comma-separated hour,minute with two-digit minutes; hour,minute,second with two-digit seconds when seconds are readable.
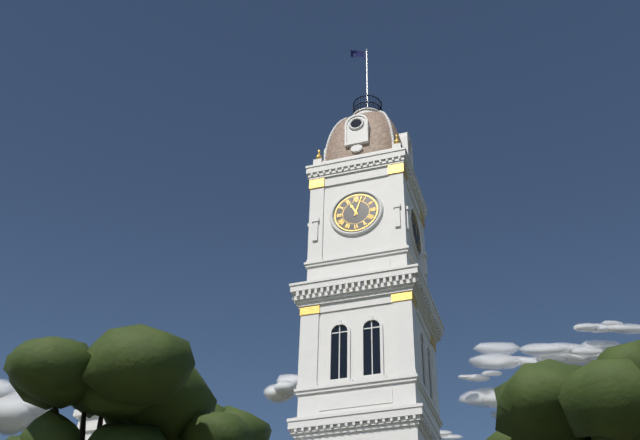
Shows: 11,03
